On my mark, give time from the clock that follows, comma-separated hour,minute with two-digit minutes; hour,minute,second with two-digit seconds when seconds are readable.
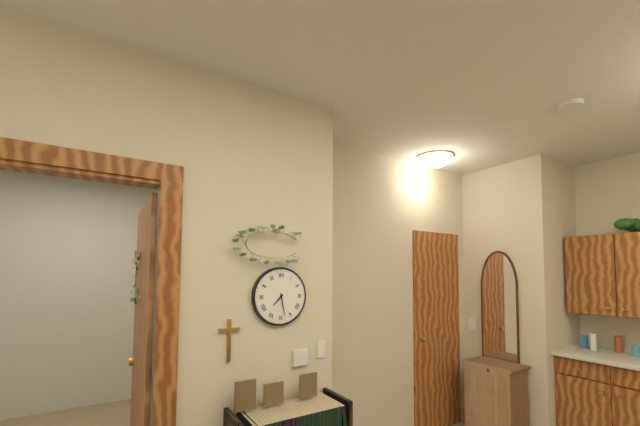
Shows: 7,28
